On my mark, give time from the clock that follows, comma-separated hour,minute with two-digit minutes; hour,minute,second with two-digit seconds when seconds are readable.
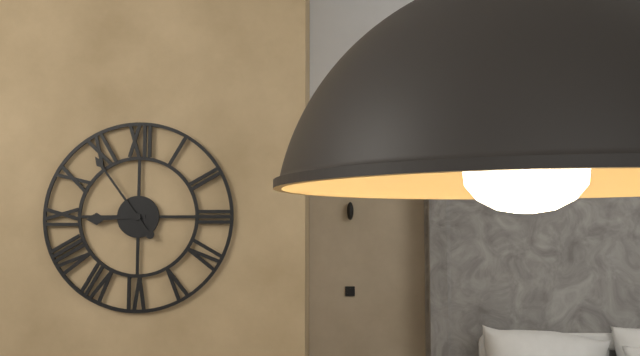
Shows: 8,54
